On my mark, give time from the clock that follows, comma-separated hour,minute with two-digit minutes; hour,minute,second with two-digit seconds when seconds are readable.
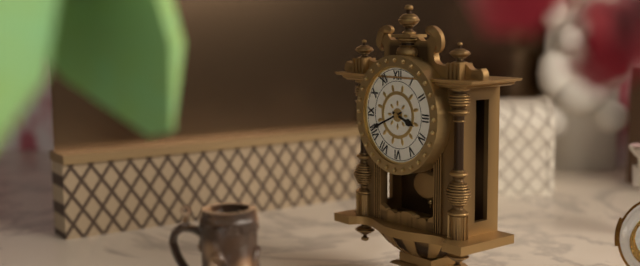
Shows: 3,41
